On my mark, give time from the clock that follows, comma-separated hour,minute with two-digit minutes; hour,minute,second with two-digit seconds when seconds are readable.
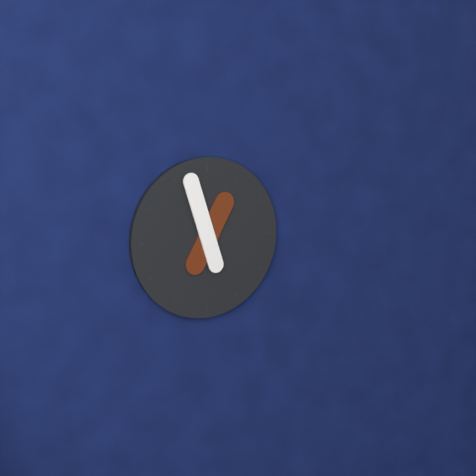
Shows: 12,57
